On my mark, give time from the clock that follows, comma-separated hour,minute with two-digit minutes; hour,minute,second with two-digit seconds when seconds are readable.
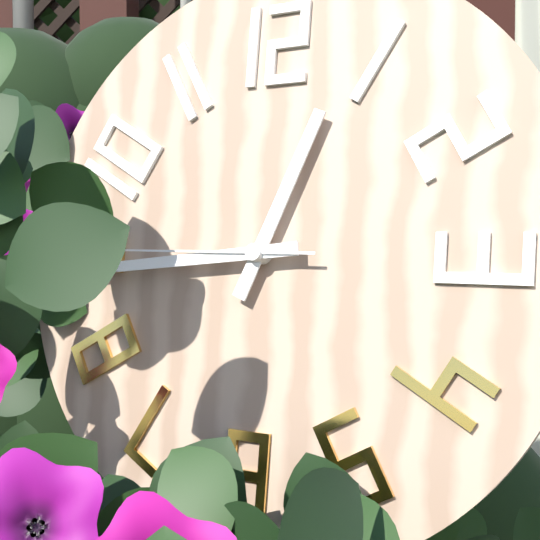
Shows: 12,44,45
